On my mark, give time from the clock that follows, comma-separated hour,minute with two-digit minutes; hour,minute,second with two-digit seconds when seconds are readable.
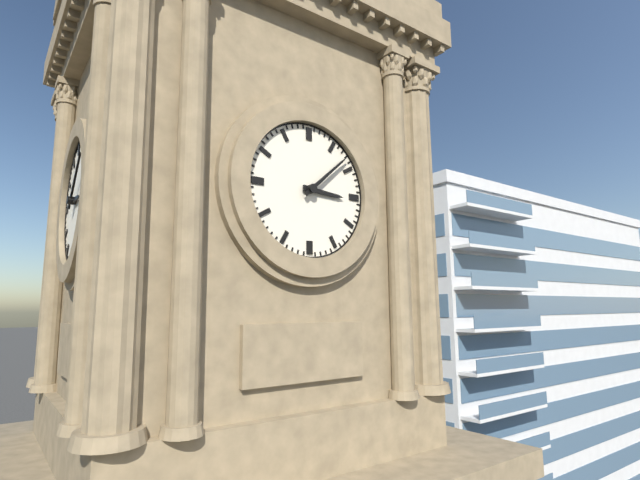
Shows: 3,08
